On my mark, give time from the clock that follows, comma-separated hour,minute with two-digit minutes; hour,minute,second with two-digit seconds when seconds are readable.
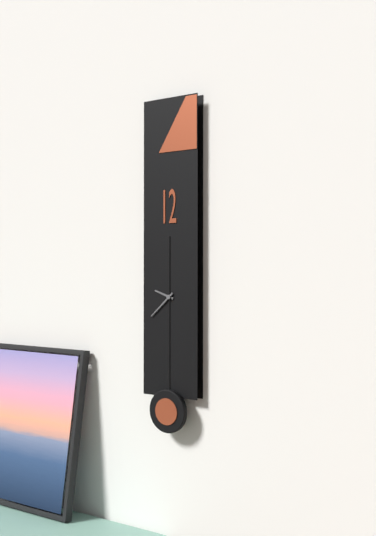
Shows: 9,38
